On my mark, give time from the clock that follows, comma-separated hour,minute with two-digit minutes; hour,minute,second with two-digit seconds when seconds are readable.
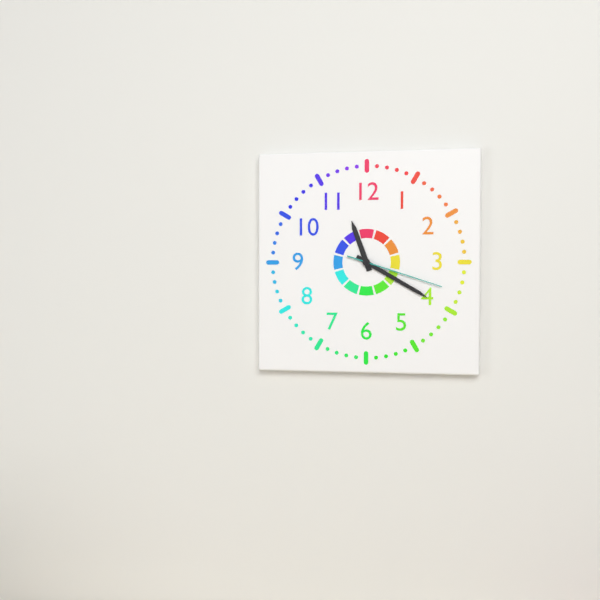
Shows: 11,20,18
